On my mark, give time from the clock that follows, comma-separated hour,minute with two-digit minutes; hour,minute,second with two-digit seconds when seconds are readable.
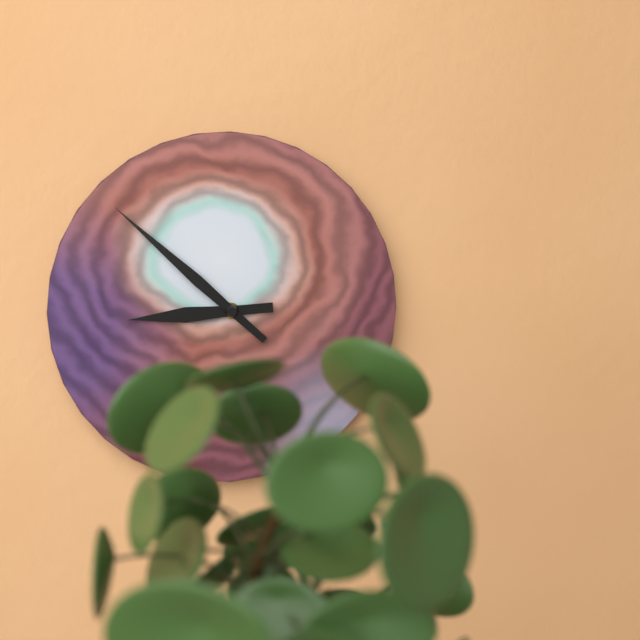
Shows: 8,52
